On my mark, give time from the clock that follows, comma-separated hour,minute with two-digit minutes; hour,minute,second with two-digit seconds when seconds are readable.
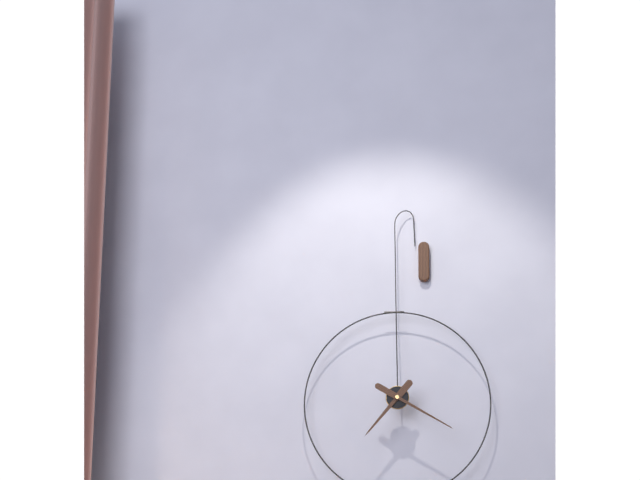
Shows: 7,20
